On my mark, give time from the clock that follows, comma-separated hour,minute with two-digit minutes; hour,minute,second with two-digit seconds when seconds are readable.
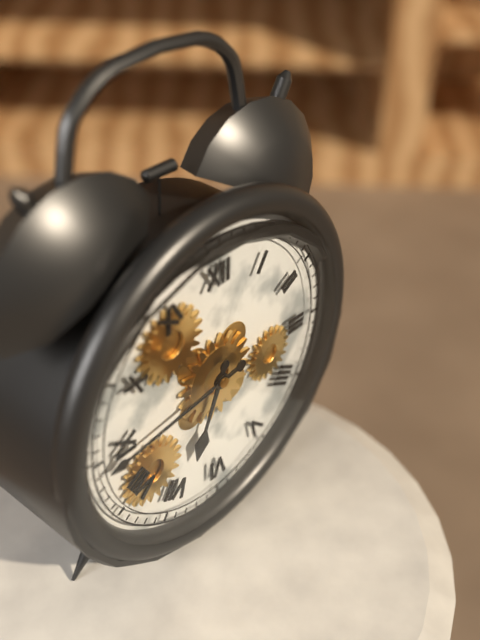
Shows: 6,44
